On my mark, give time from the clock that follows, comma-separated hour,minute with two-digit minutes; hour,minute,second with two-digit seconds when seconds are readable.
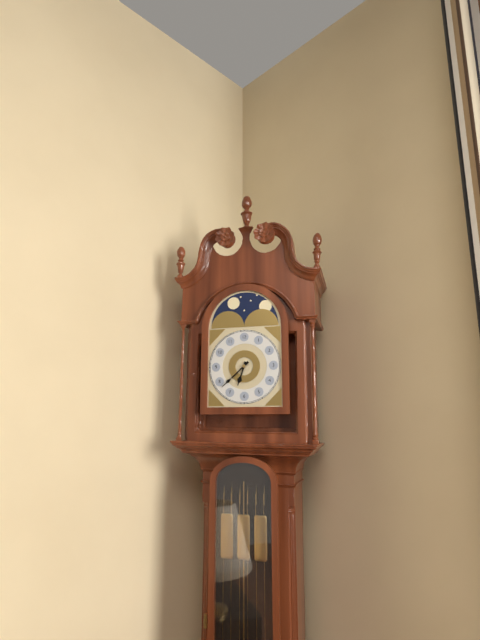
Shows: 6,38
